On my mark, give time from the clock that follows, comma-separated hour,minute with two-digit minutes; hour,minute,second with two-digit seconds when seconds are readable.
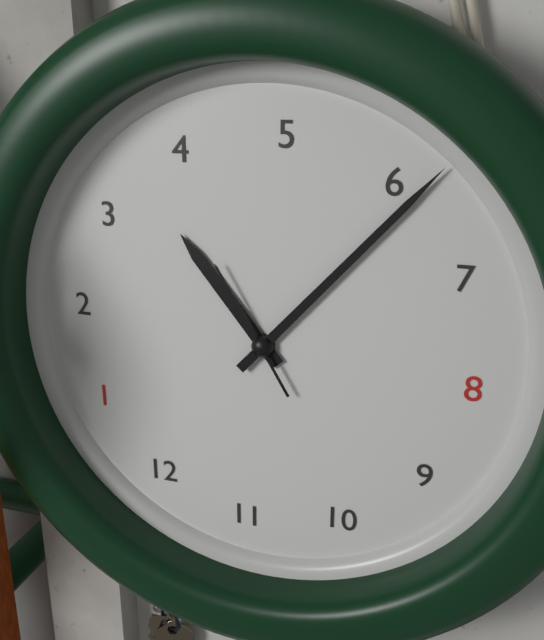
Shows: 3,31,19
